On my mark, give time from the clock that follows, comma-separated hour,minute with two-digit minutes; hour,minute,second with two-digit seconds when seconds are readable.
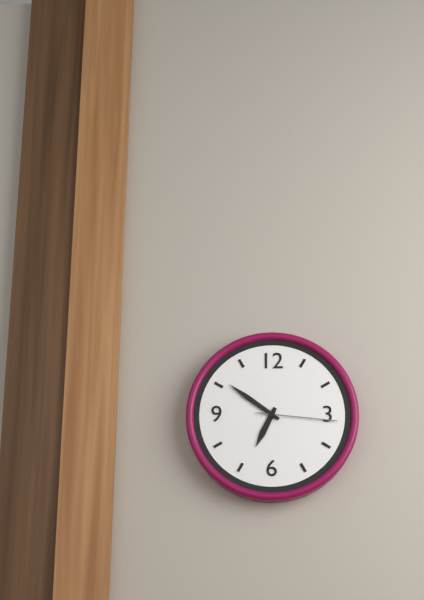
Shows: 6,51,16
